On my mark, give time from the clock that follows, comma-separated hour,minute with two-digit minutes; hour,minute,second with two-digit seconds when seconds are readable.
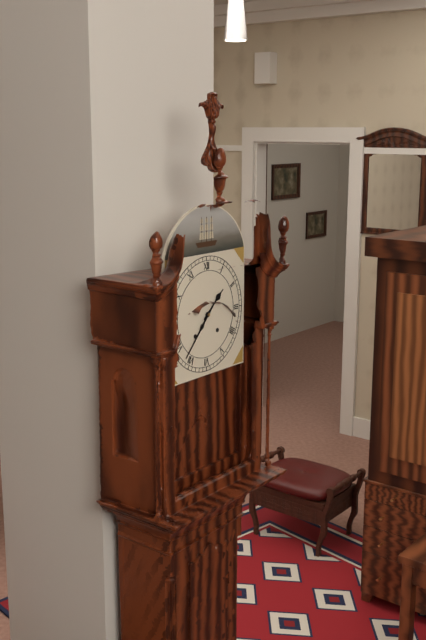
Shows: 1,37
